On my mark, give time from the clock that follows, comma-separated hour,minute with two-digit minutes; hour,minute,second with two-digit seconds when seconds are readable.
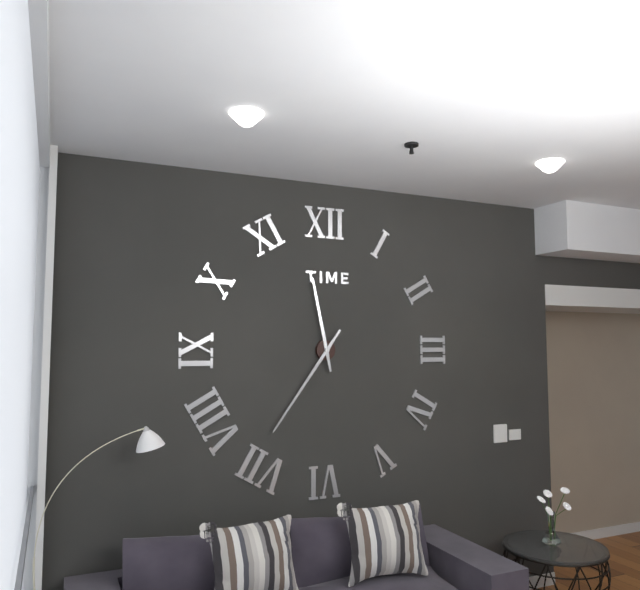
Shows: 11,36
